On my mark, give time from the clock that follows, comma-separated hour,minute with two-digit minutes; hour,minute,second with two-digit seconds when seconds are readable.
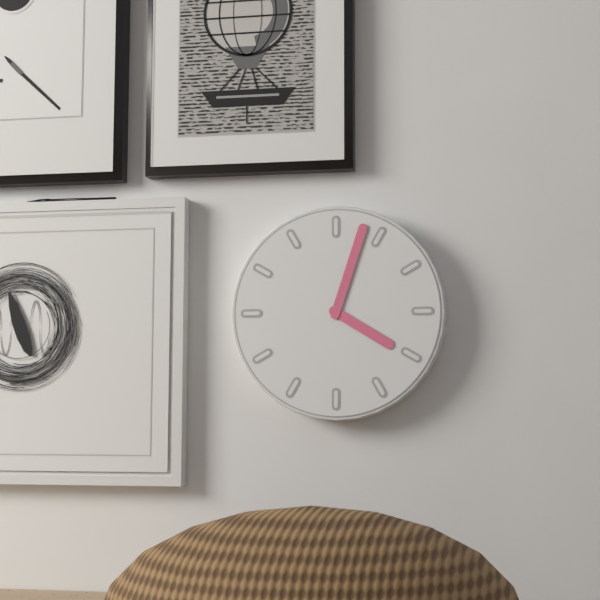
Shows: 4,03
